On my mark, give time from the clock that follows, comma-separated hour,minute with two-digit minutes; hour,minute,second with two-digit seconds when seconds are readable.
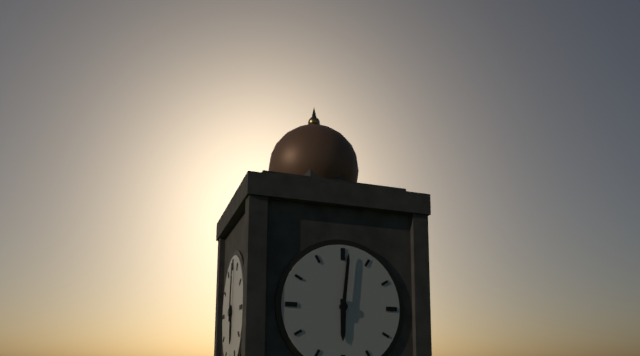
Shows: 6,01
